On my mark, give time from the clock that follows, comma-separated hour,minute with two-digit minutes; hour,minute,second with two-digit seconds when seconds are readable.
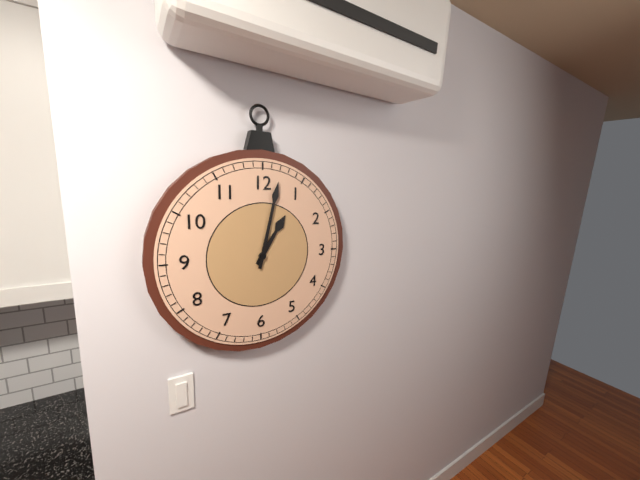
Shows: 1,02
